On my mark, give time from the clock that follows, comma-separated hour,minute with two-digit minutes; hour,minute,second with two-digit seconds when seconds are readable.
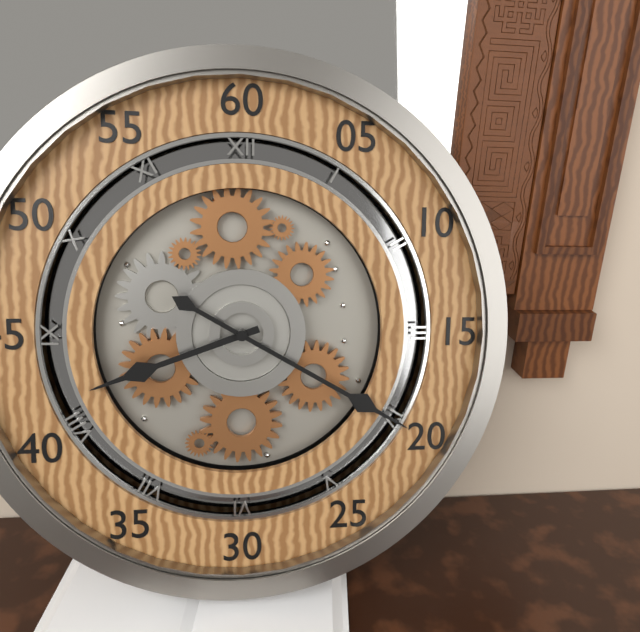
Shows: 8,20
